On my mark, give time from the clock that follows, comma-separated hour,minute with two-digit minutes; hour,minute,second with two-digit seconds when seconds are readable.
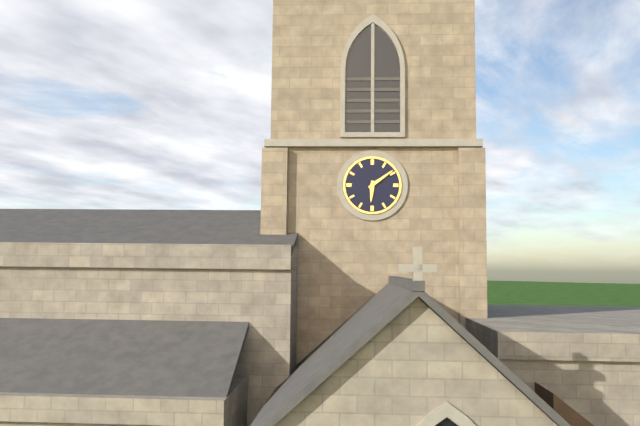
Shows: 6,09
